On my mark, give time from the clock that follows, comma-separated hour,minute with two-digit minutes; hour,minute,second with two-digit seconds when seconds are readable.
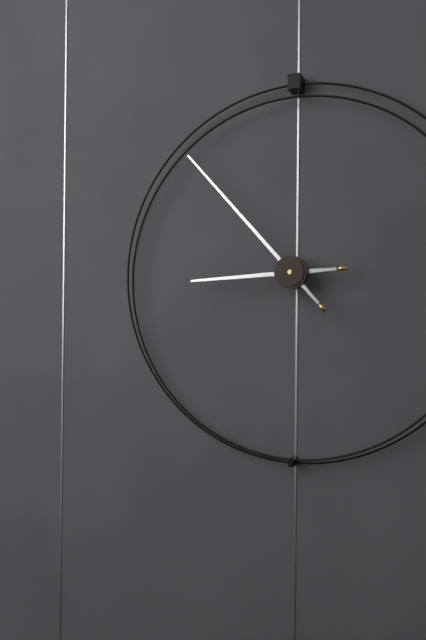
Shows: 8,53
